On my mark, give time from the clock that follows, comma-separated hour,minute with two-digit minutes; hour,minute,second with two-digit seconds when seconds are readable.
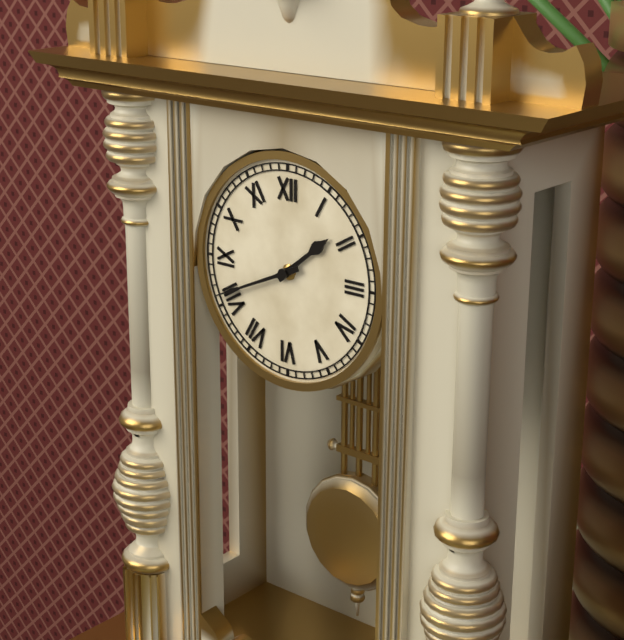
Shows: 1,41
